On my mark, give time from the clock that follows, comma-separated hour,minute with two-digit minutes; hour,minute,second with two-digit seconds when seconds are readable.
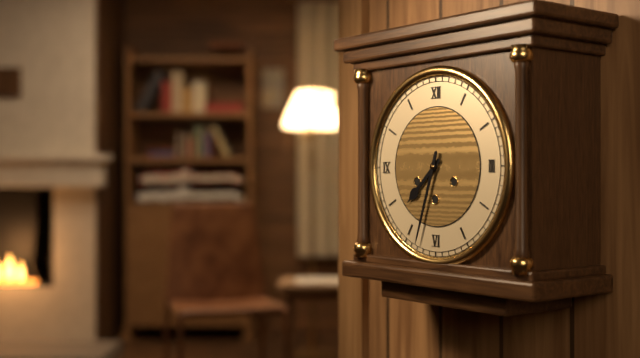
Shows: 7,33
